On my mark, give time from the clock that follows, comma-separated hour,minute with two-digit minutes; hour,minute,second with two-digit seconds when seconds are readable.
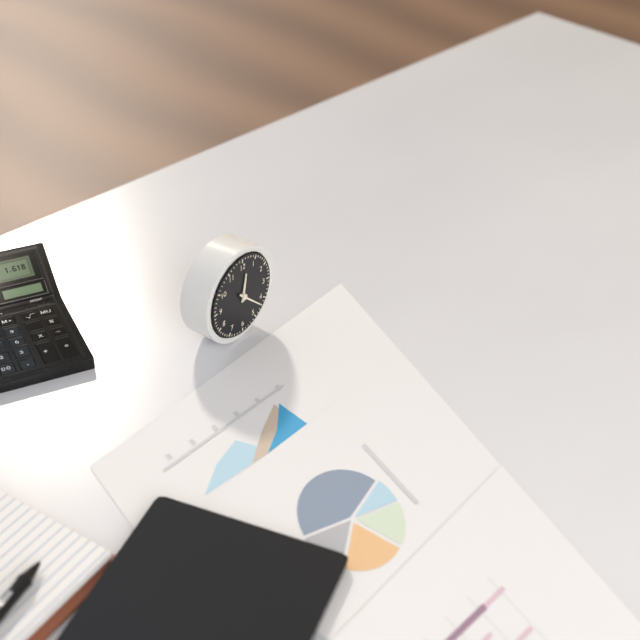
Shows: 12,22
